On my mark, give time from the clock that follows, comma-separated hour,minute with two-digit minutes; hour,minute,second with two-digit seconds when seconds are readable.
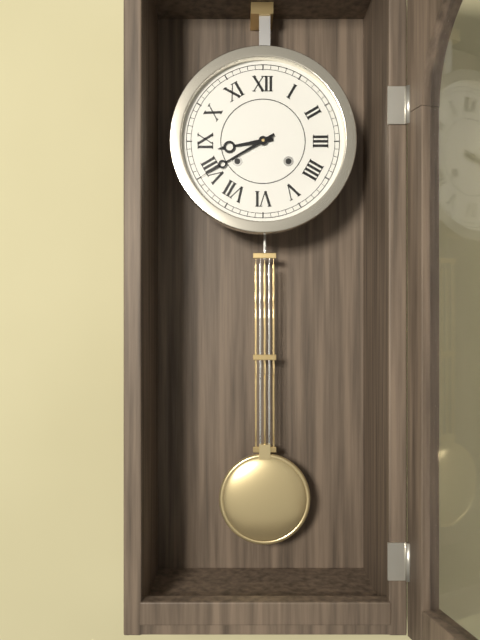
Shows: 8,40
